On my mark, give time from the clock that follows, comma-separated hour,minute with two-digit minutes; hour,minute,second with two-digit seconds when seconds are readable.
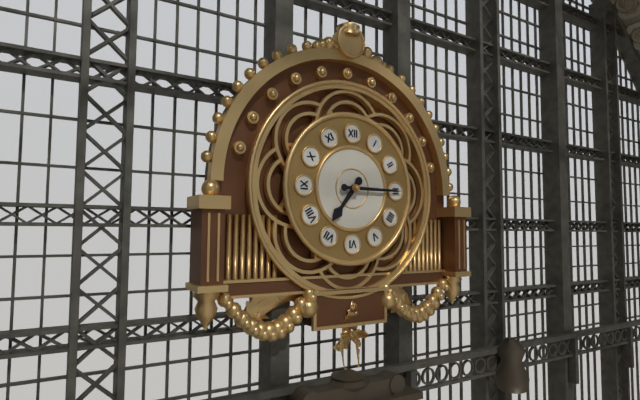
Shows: 7,15
